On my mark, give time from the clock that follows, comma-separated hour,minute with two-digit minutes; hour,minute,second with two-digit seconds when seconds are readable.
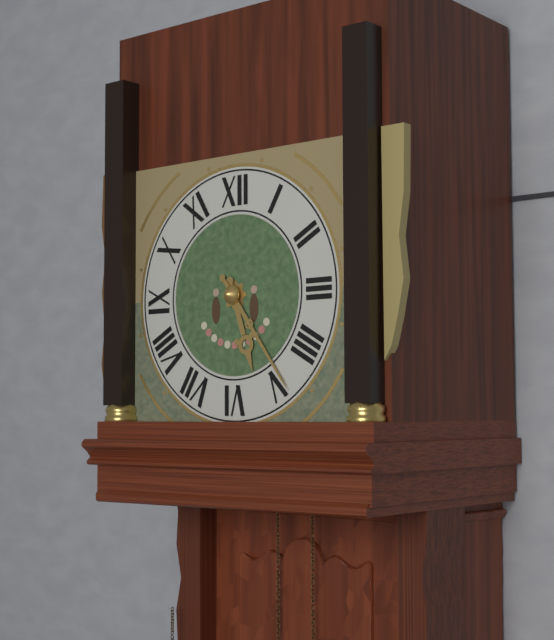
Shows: 5,24
